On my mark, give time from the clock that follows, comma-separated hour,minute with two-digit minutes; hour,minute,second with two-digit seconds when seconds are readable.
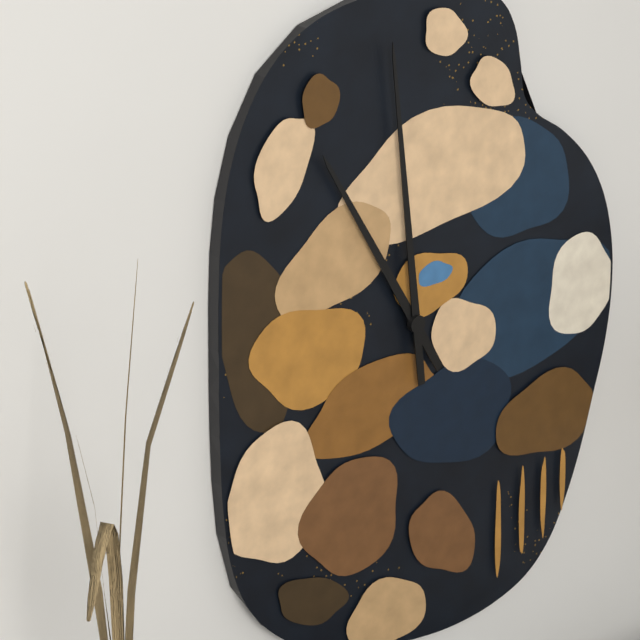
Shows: 10,59
